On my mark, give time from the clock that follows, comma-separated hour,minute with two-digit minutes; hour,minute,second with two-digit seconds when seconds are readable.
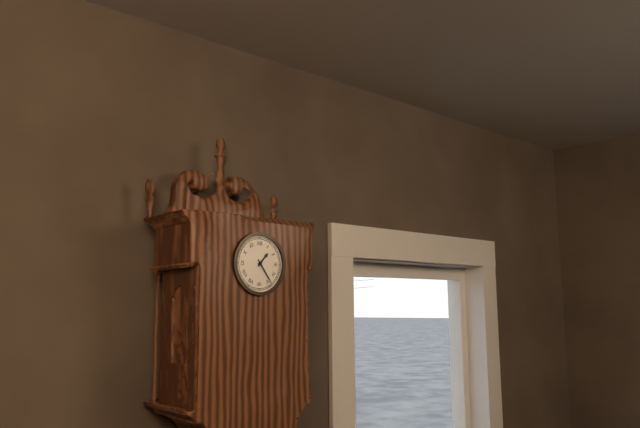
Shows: 1,24
